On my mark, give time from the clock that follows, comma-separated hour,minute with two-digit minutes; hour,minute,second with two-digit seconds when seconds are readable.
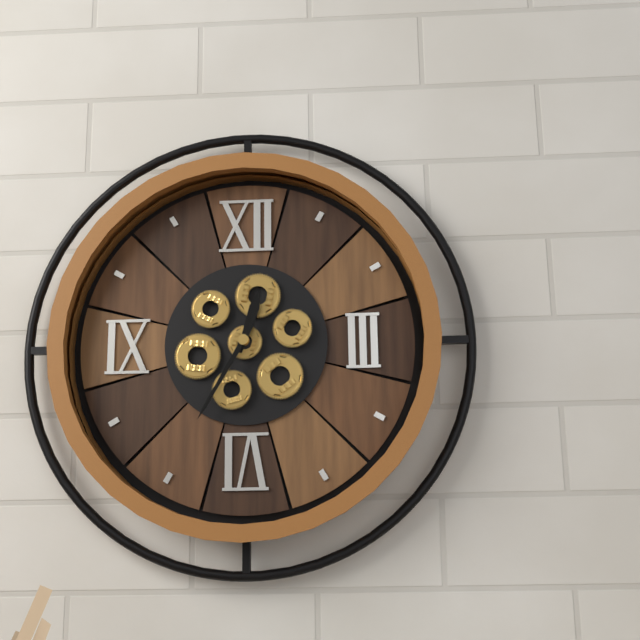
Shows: 12,35
